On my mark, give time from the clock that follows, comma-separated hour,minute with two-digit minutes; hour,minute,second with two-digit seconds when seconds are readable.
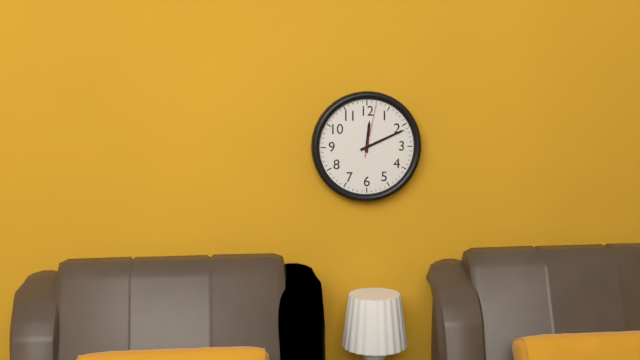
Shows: 12,11,02
